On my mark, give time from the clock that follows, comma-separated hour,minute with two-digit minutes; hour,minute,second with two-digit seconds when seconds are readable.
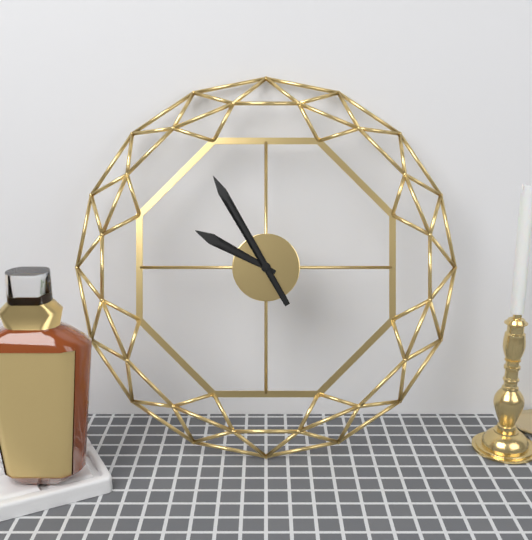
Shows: 9,55
